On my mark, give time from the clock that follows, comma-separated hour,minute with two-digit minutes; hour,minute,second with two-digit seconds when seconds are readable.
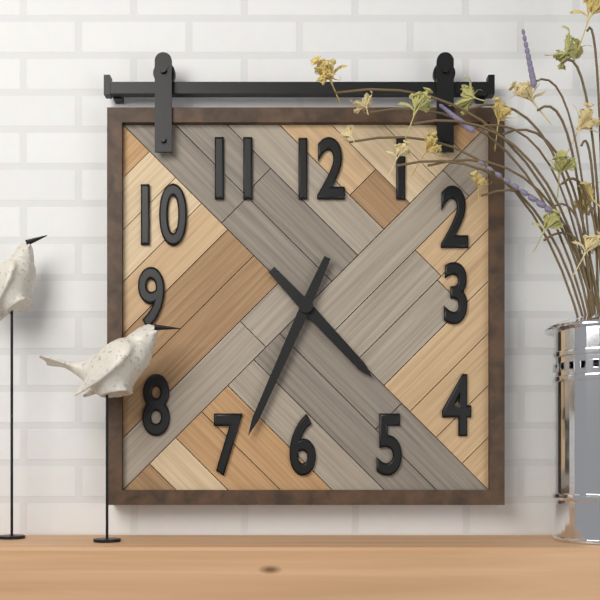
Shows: 4,34
